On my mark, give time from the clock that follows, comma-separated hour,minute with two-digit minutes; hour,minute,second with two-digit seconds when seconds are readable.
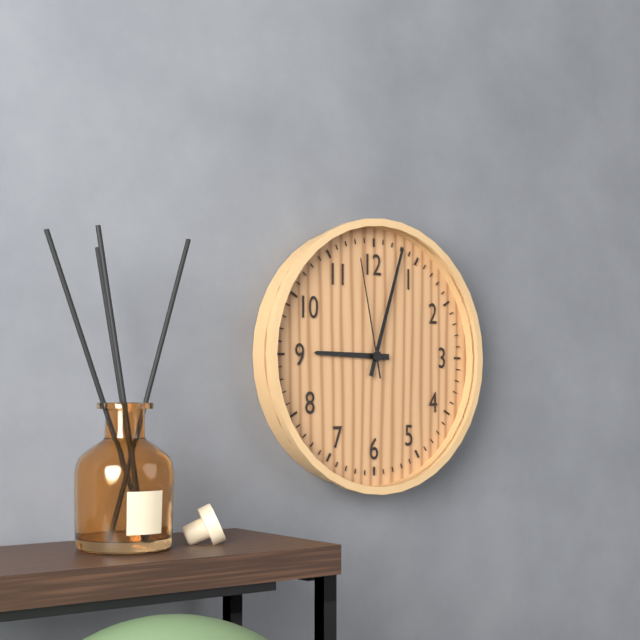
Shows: 9,03,58
